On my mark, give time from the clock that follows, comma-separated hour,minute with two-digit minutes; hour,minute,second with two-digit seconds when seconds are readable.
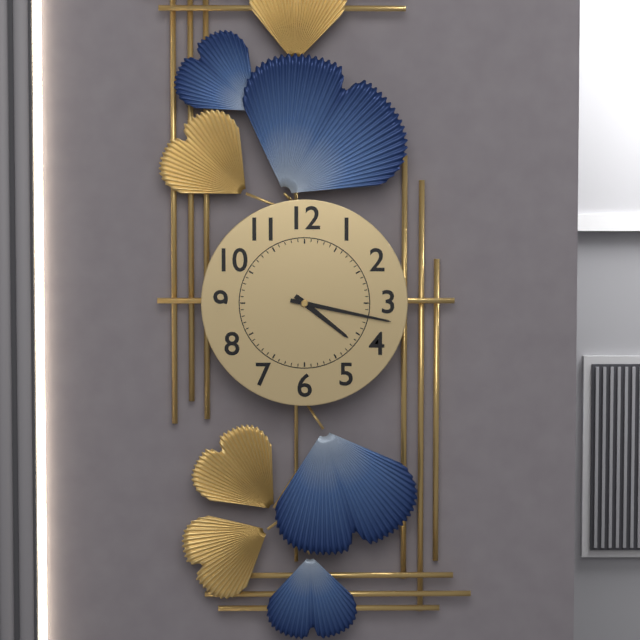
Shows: 4,17
